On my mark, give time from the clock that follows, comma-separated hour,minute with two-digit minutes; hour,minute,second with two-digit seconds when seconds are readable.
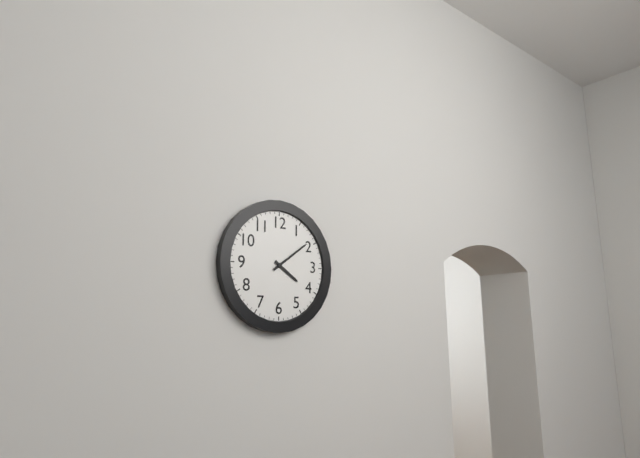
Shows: 4,09
